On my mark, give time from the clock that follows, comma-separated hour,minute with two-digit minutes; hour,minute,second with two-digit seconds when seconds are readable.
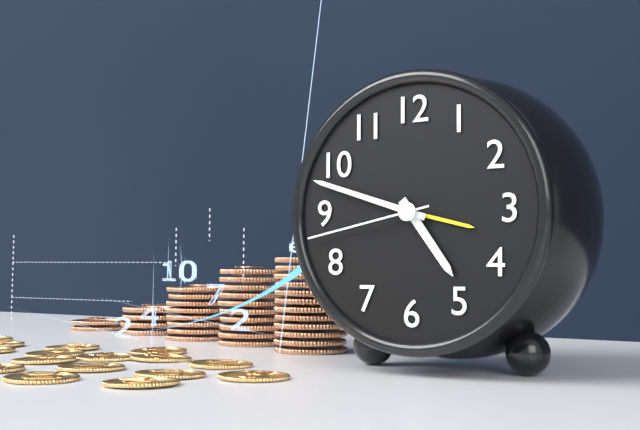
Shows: 4,48,43
